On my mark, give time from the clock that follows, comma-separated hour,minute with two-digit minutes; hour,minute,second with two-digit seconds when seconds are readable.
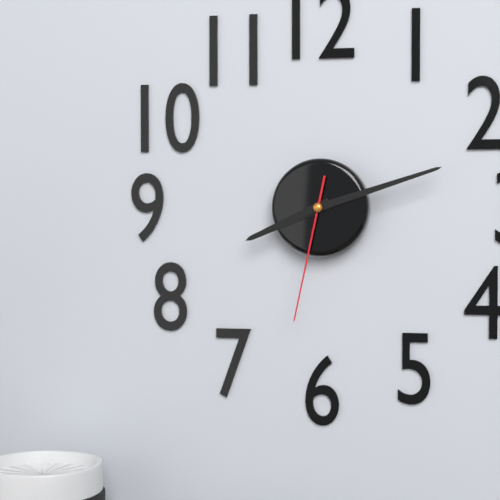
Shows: 8,12,32
